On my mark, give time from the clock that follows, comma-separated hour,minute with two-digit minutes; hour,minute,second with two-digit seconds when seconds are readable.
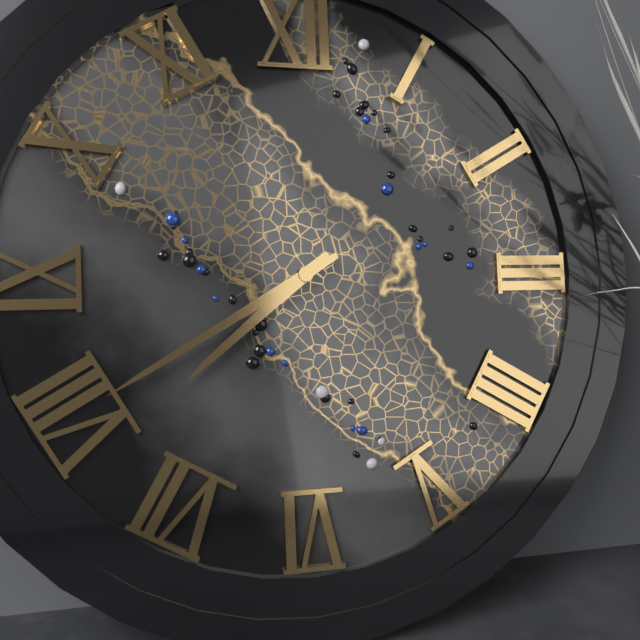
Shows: 7,40
